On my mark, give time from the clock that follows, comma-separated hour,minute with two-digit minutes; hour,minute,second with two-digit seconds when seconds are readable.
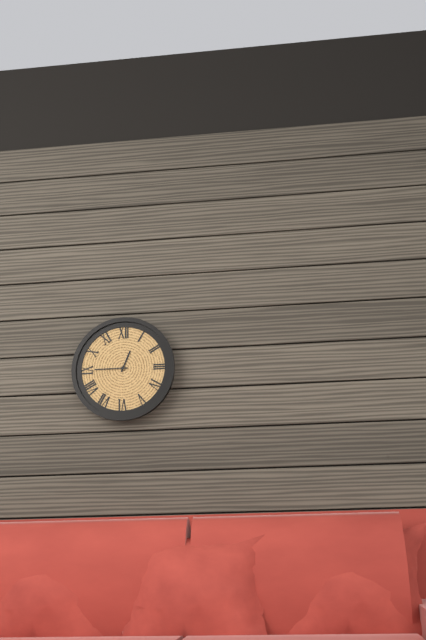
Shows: 12,45
